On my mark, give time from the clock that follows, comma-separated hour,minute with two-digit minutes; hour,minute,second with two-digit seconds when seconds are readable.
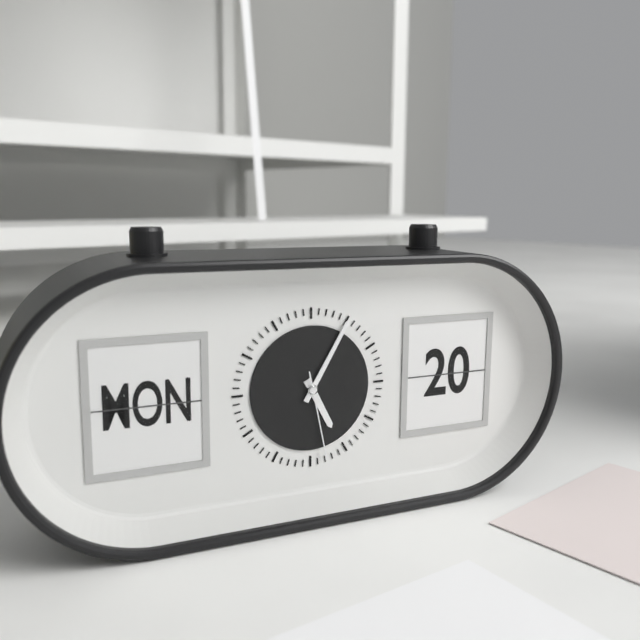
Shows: 5,05,28
